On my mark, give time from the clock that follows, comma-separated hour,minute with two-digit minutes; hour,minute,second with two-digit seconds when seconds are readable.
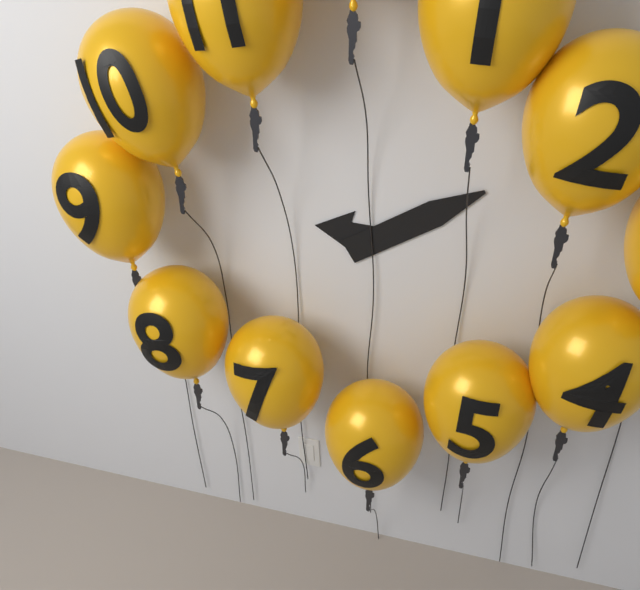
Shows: 9,10
